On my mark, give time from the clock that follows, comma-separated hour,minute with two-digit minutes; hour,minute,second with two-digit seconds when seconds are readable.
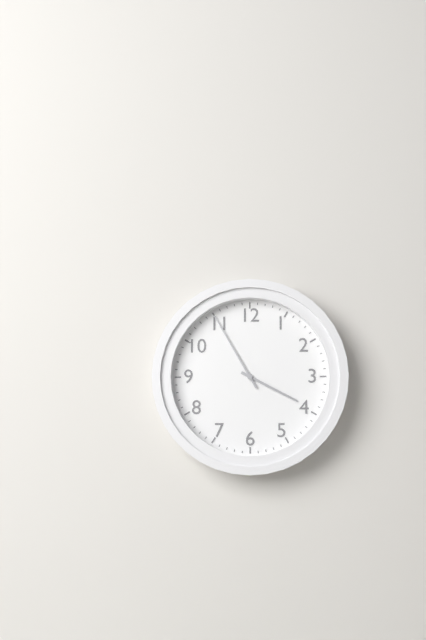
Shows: 3,55
